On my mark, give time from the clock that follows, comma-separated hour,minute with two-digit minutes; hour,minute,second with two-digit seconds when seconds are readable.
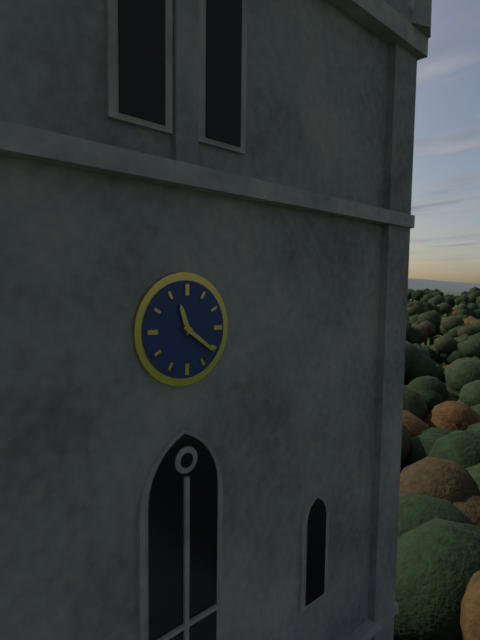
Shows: 11,21
